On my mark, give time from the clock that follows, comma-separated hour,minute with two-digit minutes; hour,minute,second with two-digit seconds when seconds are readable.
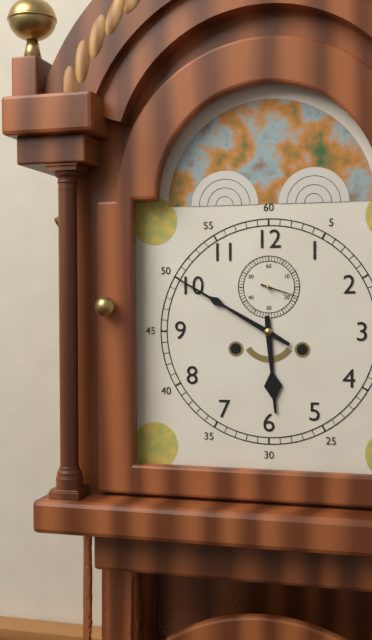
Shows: 5,50
